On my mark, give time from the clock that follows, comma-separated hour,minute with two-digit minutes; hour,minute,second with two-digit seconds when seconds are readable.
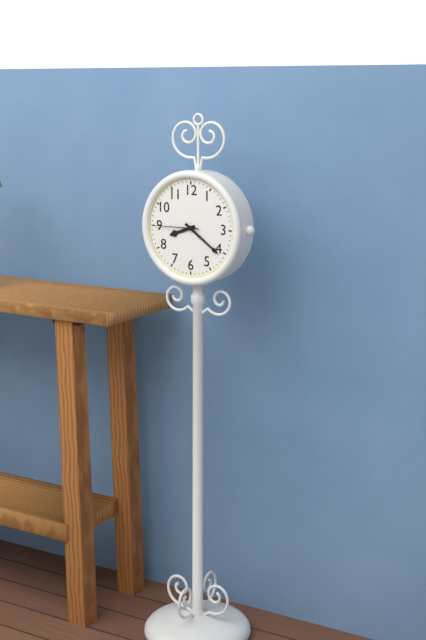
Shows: 8,21
